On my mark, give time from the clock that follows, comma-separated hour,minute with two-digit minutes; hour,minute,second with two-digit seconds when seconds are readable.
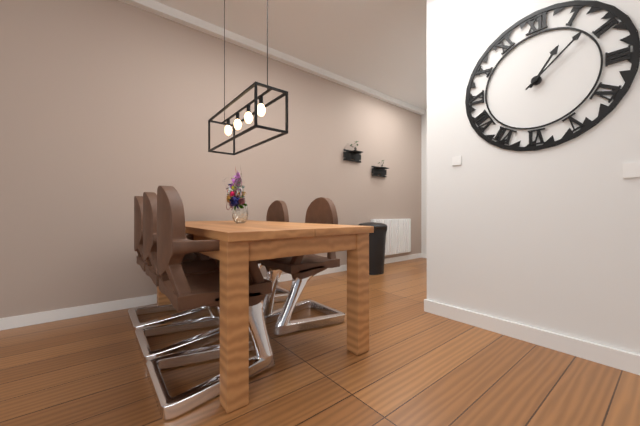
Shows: 1,08
